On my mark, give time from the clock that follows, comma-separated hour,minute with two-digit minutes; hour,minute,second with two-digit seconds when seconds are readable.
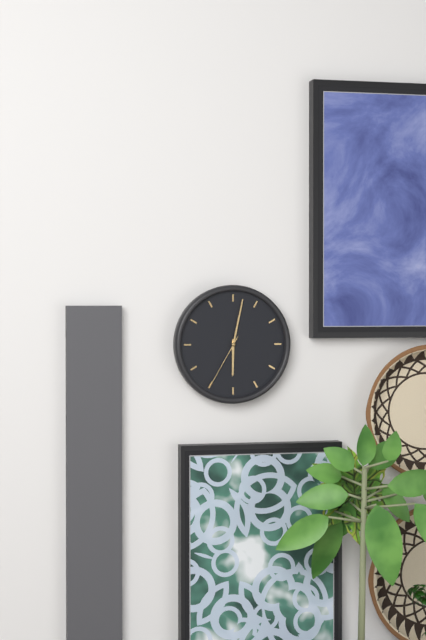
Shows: 6,02,35
